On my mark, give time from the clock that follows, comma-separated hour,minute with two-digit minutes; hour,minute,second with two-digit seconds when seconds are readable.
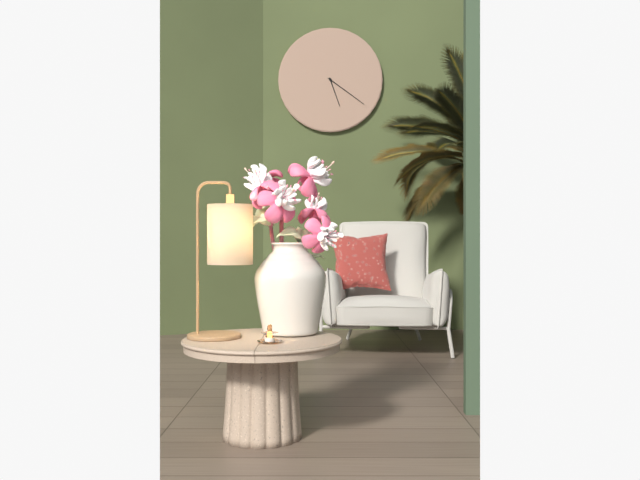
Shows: 5,21
